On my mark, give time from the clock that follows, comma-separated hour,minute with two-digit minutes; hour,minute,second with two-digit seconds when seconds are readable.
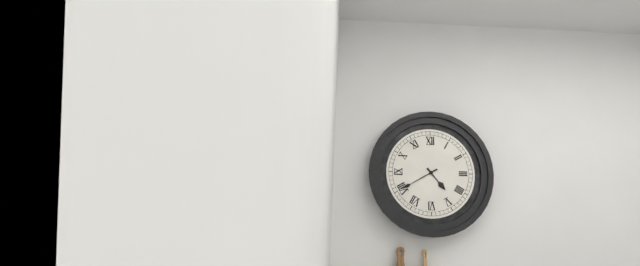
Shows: 4,40
